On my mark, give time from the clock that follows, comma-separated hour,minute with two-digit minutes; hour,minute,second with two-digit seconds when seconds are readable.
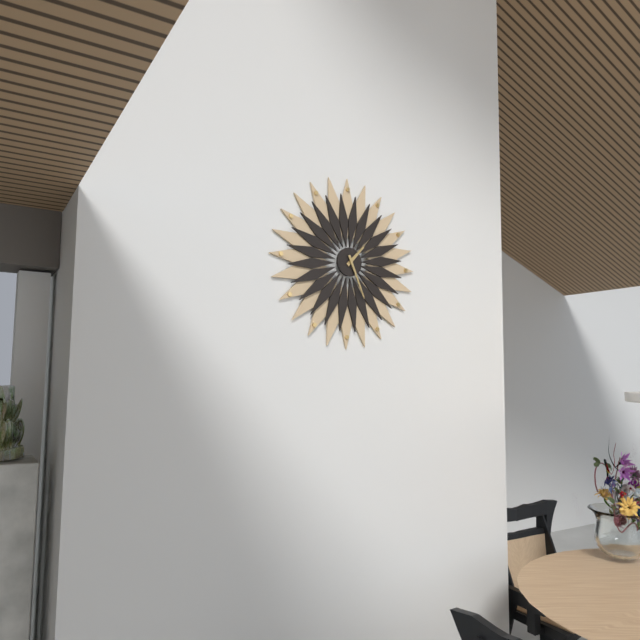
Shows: 1,26
